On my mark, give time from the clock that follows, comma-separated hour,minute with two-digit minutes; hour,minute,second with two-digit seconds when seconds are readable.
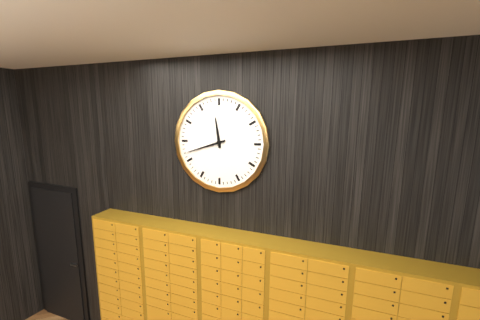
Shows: 11,42
